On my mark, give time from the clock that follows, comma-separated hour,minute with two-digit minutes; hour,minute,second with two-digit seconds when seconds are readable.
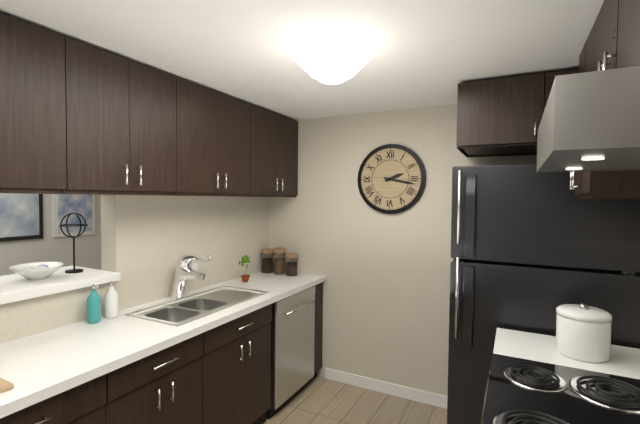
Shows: 2,17
